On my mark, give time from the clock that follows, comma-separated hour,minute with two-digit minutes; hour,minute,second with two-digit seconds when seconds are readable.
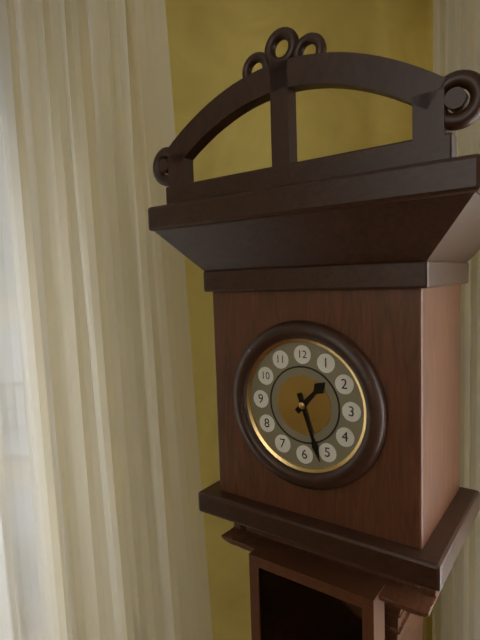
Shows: 1,27
